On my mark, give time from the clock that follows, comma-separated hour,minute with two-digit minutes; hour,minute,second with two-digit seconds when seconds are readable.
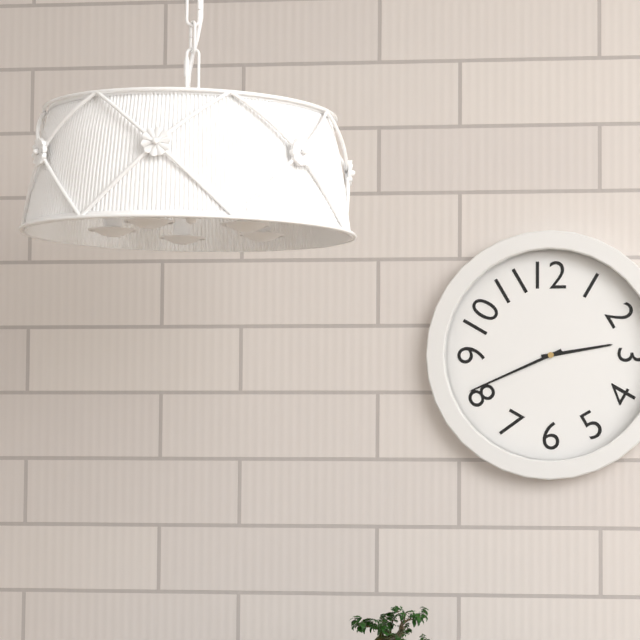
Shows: 2,41
